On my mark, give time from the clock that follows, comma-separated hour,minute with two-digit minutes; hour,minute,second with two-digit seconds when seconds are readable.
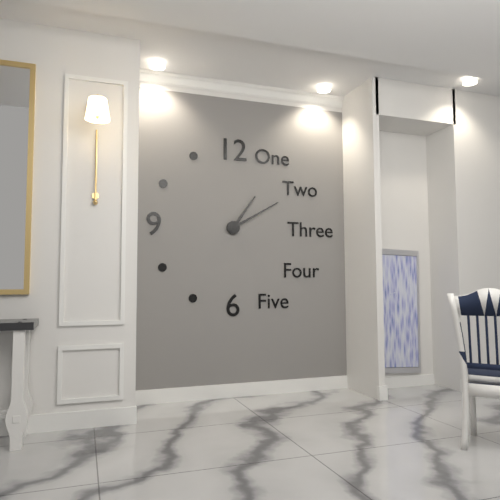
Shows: 1,10
